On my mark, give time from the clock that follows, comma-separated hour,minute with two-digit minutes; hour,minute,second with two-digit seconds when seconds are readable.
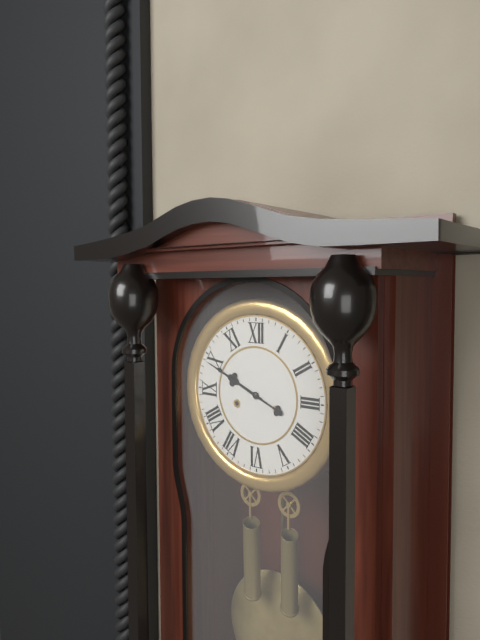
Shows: 9,49
